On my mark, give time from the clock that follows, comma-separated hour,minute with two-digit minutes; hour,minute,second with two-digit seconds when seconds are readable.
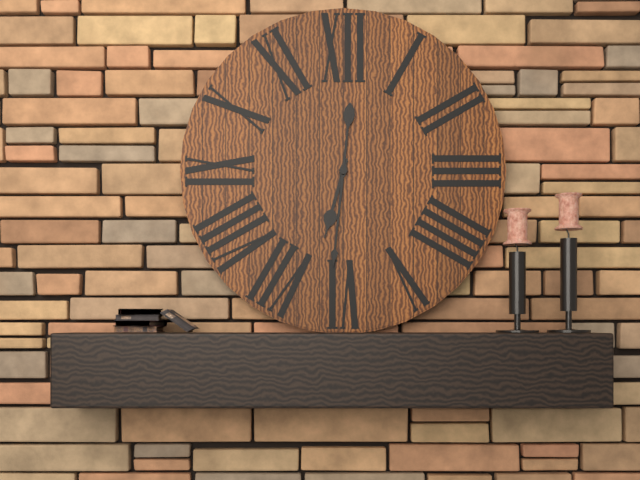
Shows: 6,31
